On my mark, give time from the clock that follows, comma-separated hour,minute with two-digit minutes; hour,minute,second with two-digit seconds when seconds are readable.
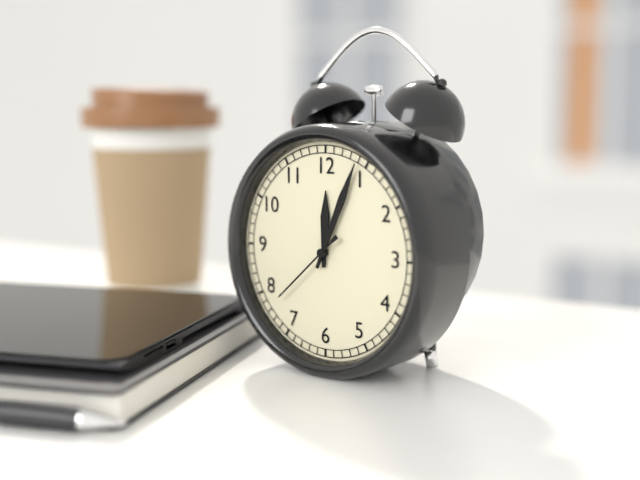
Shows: 12,04,38
